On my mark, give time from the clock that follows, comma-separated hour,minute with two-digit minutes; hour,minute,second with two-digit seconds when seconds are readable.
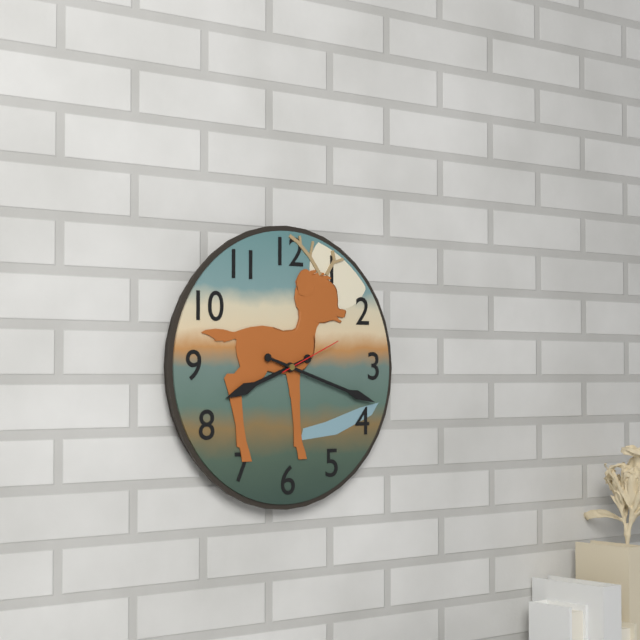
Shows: 8,18,11
